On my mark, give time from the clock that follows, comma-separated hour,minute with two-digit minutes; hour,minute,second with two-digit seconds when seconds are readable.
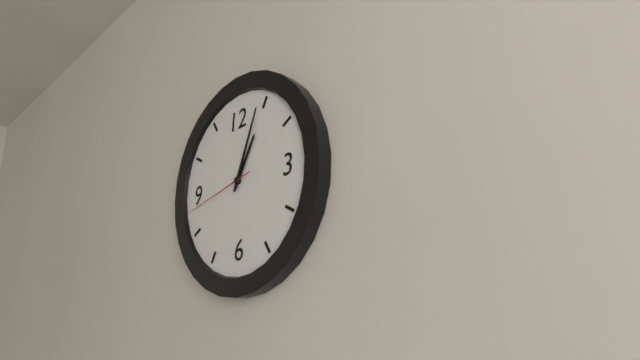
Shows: 1,04,43
